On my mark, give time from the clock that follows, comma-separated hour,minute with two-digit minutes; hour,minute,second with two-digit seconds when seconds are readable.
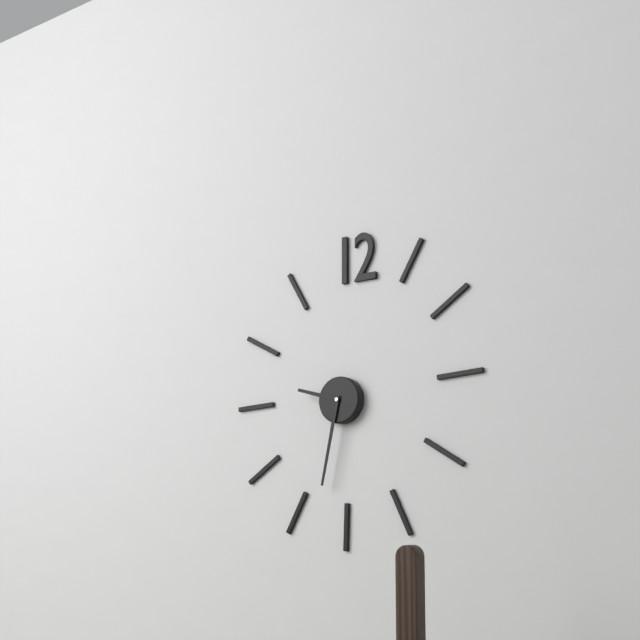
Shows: 9,32
